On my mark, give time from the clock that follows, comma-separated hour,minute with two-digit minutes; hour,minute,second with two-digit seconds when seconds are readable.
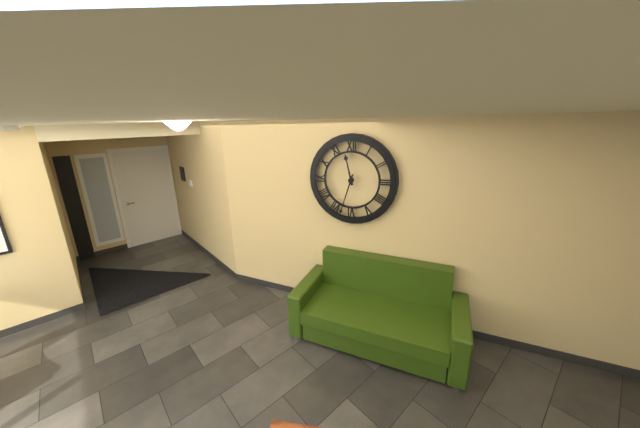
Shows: 11,33
